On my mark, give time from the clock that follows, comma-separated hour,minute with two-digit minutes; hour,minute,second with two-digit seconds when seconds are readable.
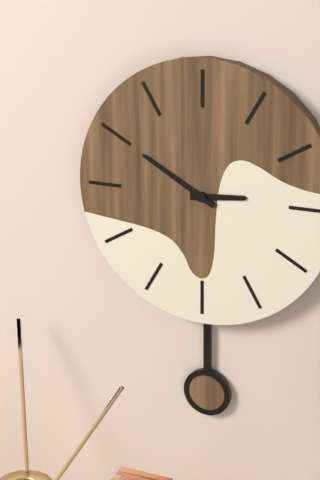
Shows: 2,50
